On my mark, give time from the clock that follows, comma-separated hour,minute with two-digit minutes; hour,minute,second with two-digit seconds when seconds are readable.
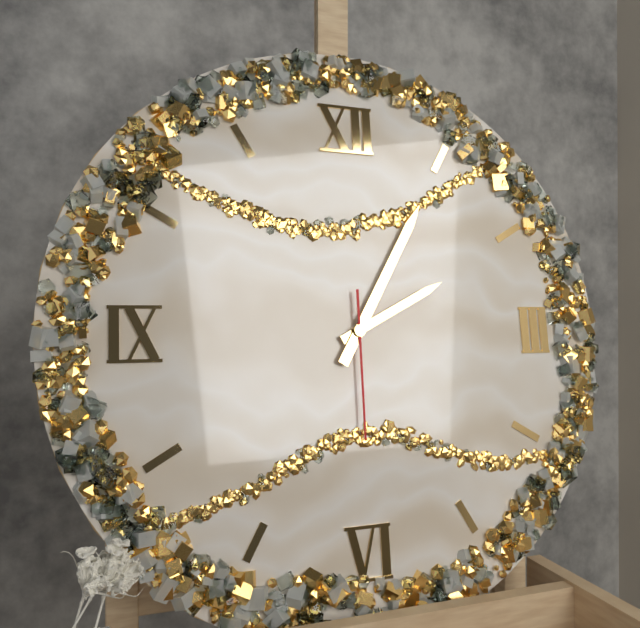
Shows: 2,05,30
